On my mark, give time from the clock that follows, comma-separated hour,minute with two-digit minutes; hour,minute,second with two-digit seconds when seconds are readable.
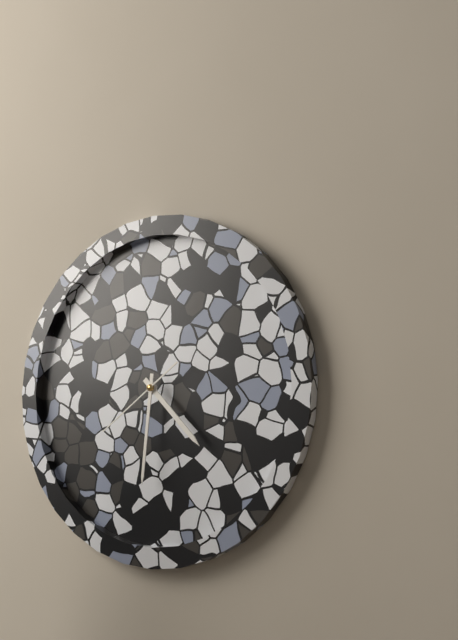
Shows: 4,31,39
